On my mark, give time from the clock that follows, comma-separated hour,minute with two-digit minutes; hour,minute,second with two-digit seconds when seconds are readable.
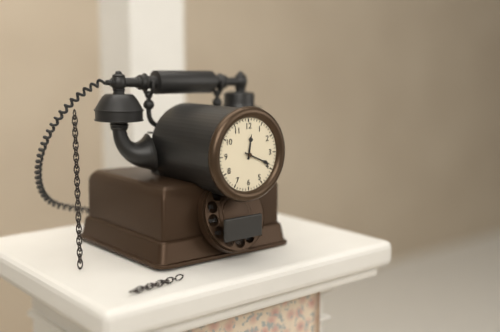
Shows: 12,19
